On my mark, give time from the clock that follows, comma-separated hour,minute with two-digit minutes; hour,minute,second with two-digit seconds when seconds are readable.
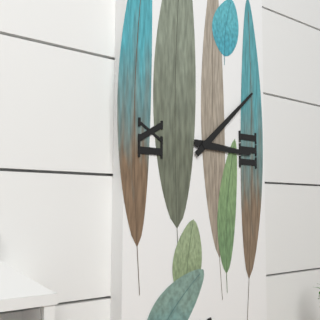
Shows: 3,08
